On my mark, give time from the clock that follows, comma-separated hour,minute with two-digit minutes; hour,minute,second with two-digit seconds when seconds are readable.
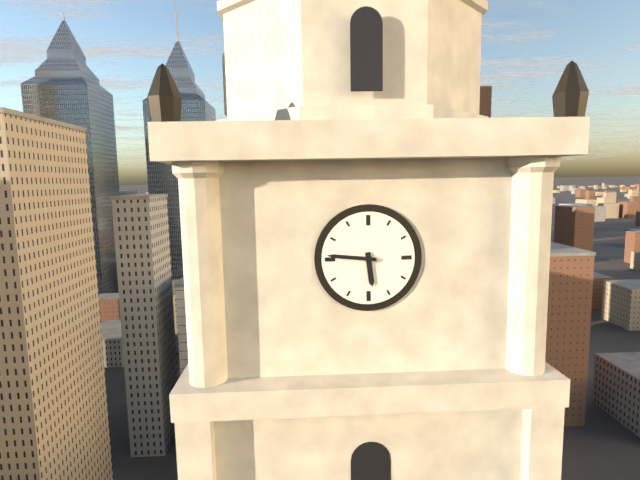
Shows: 5,46
